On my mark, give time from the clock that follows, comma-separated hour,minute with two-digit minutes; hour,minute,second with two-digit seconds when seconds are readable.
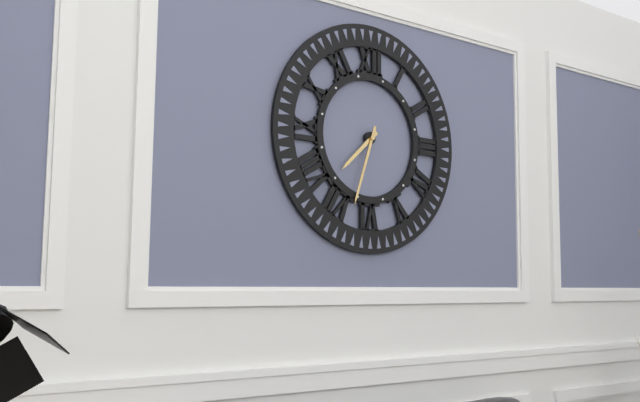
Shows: 7,33
